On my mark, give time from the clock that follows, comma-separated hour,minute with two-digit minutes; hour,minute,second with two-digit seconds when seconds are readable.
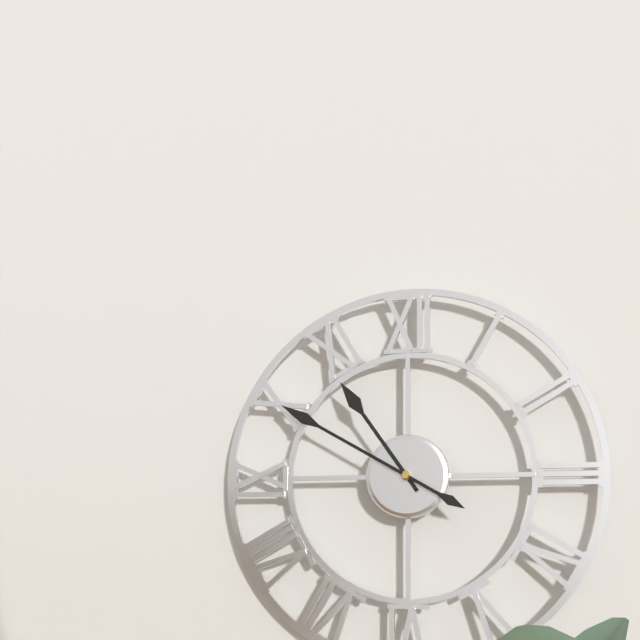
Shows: 10,50
